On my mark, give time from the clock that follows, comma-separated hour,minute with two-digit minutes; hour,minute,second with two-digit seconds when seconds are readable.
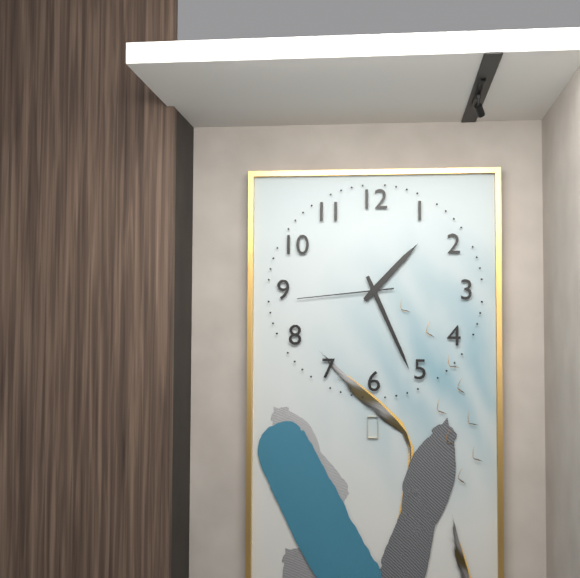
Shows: 1,26,44
